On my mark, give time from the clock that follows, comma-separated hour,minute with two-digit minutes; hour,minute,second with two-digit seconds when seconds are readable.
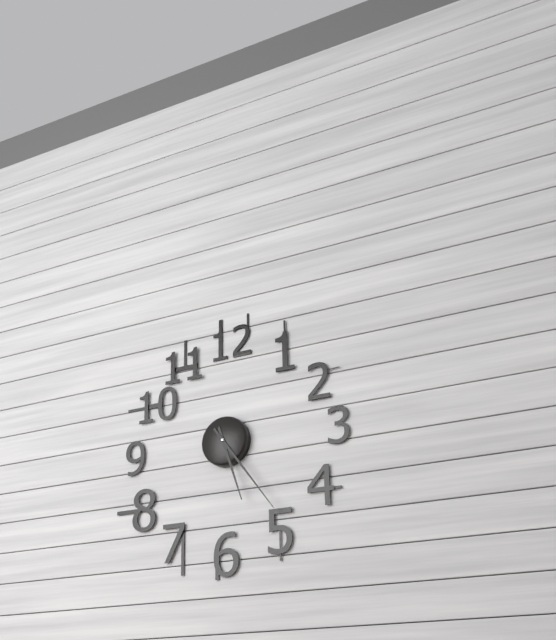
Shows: 5,24
